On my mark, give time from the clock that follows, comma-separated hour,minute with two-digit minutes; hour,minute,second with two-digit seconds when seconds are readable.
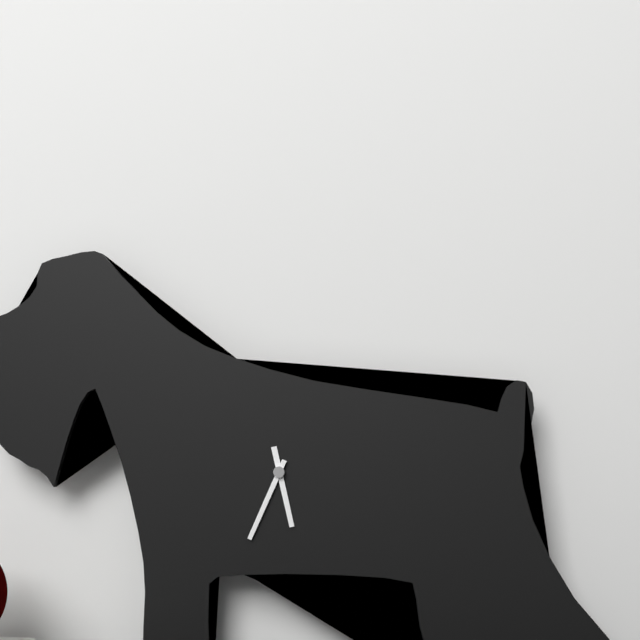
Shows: 5,34
